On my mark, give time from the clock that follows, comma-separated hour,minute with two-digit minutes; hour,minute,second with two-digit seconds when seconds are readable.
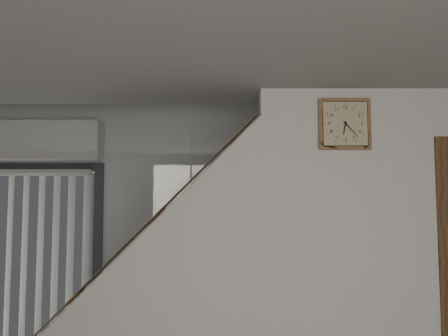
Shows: 6,23
